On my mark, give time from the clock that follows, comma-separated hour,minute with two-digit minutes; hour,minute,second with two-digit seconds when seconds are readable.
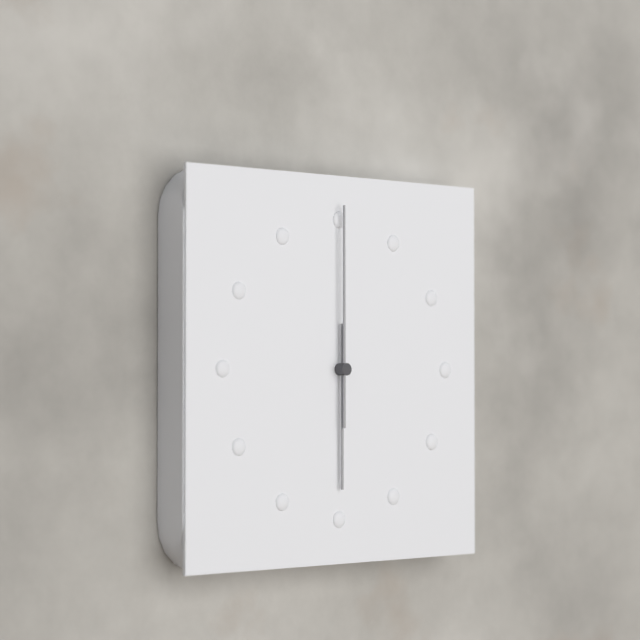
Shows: 6,00
